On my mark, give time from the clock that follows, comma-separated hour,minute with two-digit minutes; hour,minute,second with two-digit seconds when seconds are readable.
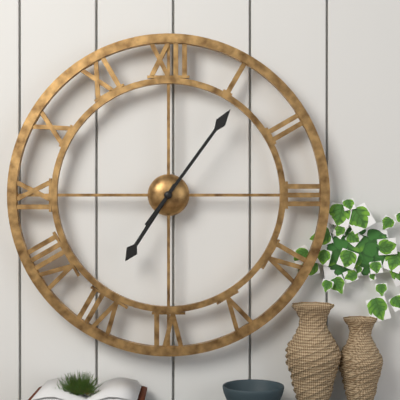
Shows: 7,06
